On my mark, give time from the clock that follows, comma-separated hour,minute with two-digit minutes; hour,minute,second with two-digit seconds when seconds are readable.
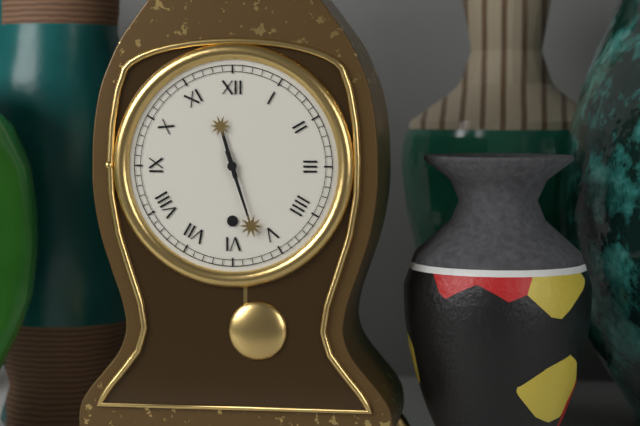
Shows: 11,27
